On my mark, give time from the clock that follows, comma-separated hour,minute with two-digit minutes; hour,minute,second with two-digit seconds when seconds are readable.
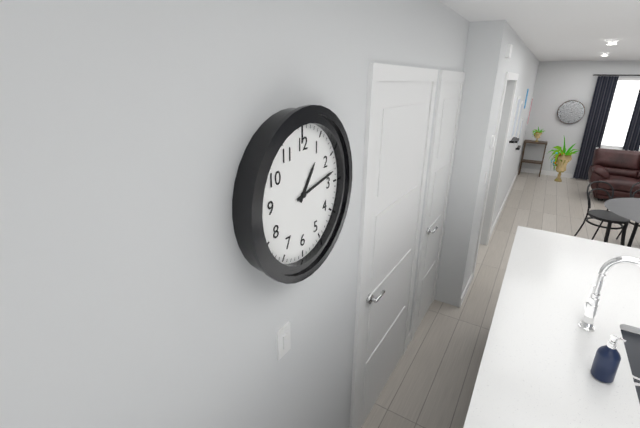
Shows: 1,13
